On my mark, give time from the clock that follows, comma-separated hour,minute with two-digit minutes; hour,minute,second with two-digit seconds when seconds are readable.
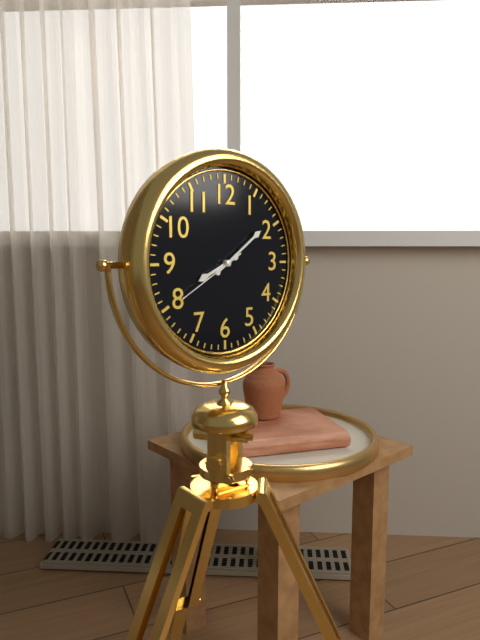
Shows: 8,09,40
